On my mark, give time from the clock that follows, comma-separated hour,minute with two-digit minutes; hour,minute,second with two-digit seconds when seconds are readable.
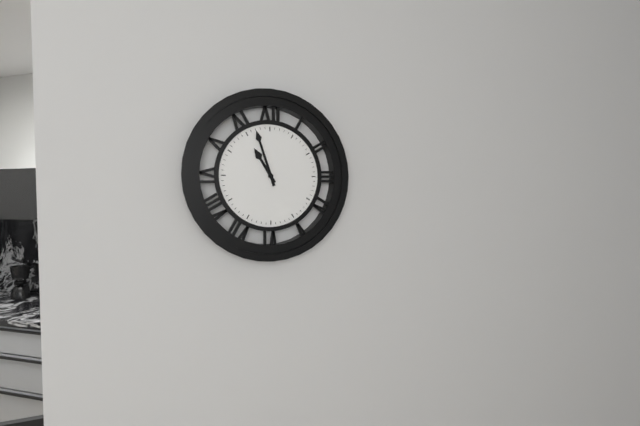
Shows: 10,57
